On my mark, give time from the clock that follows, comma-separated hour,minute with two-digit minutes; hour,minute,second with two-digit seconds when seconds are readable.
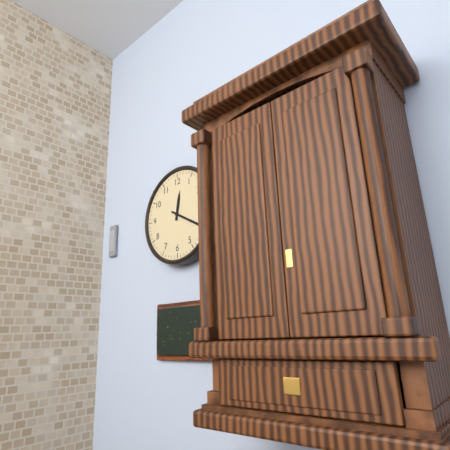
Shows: 12,20
